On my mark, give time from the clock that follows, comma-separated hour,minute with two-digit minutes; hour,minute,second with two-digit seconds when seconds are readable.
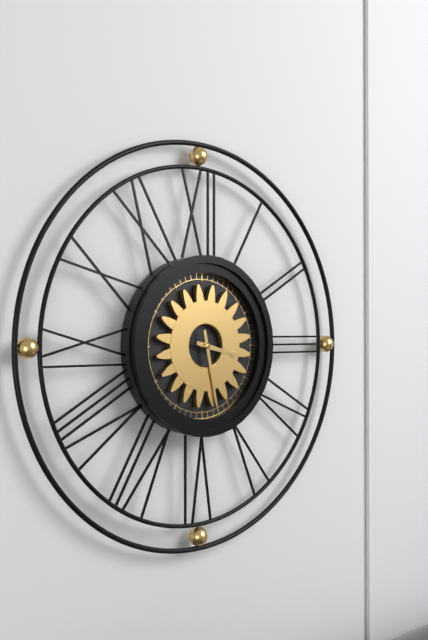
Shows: 3,28
